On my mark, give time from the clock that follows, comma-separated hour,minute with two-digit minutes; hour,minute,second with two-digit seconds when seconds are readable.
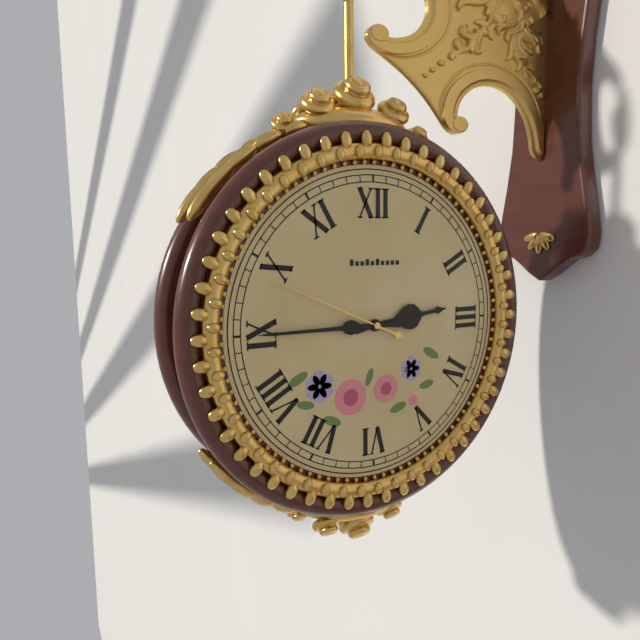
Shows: 2,45,49
